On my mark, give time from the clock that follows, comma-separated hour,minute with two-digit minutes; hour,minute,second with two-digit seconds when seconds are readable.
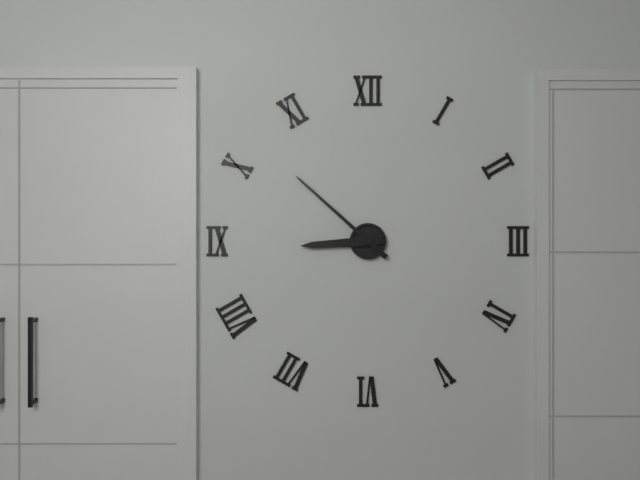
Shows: 8,52
